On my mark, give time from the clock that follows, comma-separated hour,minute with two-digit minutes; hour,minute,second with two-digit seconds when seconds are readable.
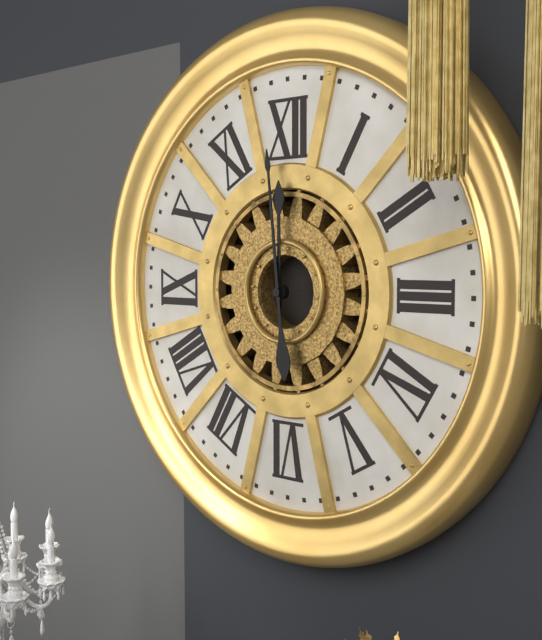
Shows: 11,59
